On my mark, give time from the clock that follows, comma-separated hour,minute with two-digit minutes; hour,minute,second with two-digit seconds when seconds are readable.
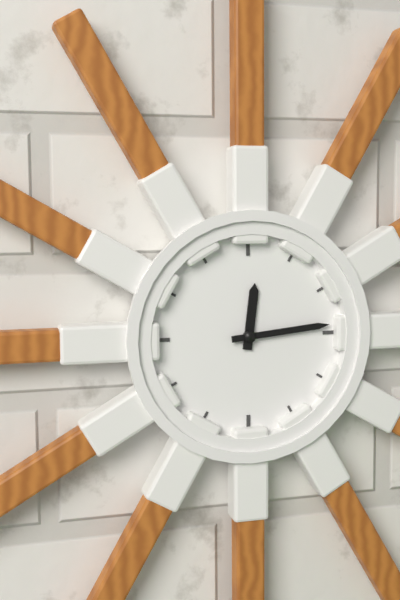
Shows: 12,14
